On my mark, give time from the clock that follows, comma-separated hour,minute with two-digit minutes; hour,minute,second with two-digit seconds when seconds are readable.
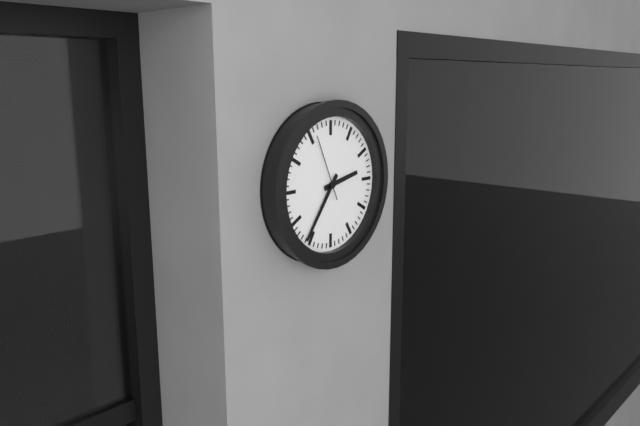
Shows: 2,36,56
